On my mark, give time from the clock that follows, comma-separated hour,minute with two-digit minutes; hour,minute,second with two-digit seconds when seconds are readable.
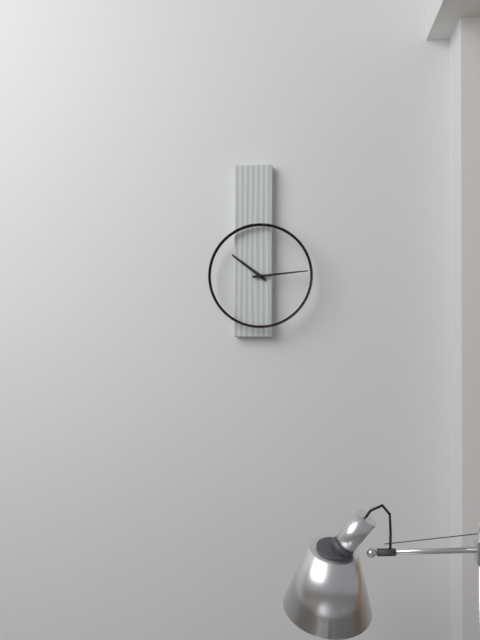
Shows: 10,14
